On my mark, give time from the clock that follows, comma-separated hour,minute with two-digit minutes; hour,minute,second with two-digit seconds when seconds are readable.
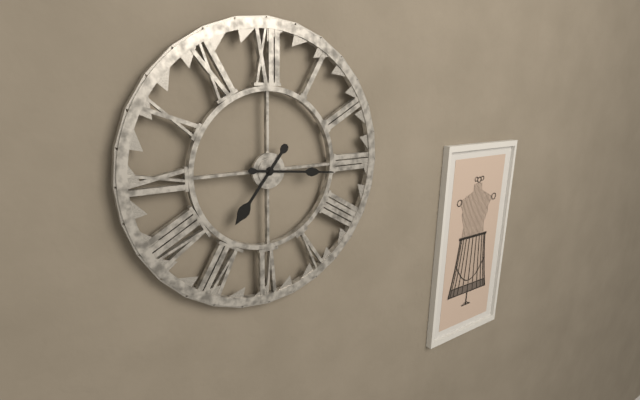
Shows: 7,16
